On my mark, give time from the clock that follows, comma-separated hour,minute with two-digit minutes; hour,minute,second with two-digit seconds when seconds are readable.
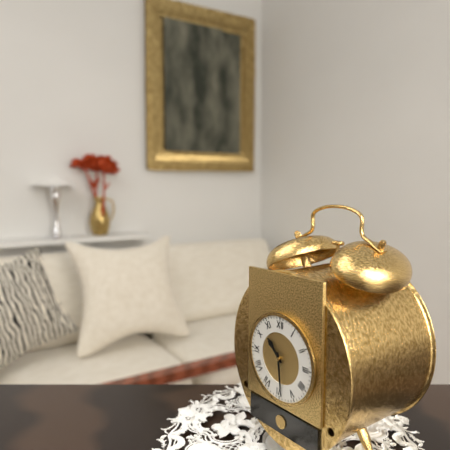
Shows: 10,29
